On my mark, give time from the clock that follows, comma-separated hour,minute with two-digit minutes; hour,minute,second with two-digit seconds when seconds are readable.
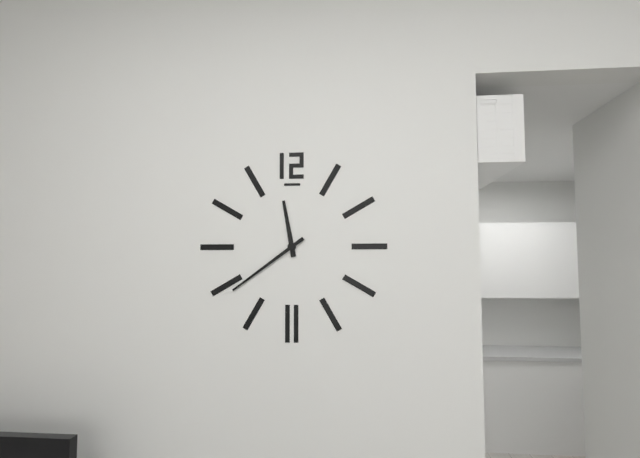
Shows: 11,39
